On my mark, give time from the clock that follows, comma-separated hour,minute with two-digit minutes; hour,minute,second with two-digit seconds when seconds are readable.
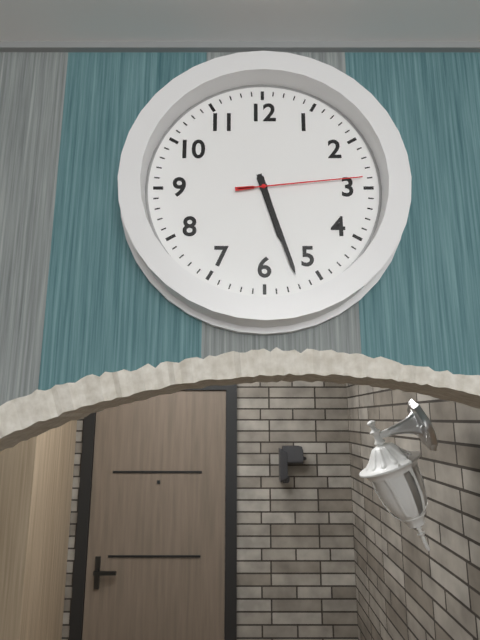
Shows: 5,27,14
